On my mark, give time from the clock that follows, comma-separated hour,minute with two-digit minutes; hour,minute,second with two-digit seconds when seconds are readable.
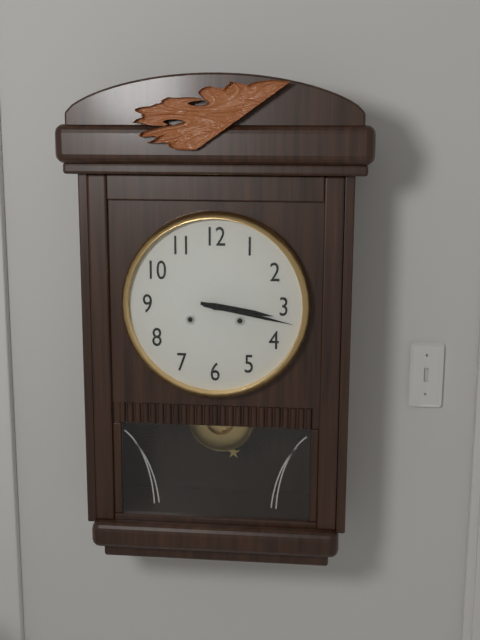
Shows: 3,17
